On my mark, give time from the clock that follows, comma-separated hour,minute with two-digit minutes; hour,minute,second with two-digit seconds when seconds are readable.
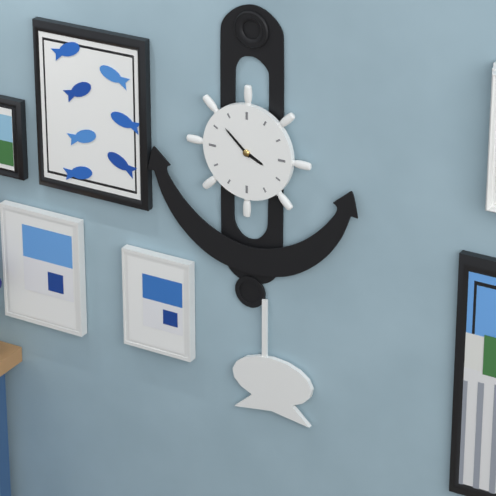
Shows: 3,52
